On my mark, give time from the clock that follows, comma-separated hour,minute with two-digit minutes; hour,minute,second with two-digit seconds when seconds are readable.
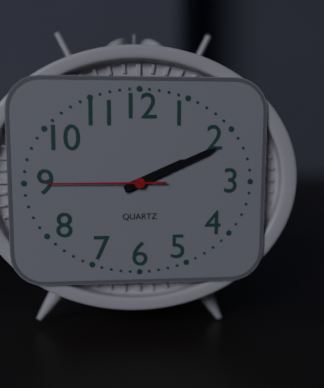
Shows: 2,11,45
